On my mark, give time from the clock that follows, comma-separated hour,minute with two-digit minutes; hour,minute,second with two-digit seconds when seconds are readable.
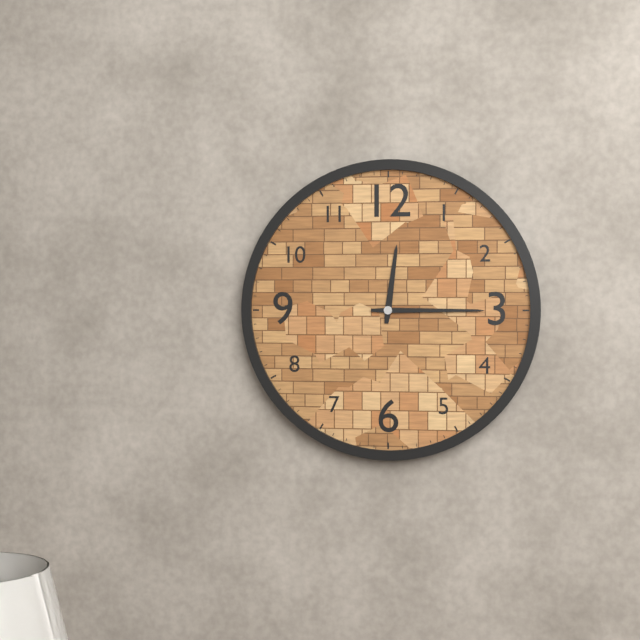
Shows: 12,15
